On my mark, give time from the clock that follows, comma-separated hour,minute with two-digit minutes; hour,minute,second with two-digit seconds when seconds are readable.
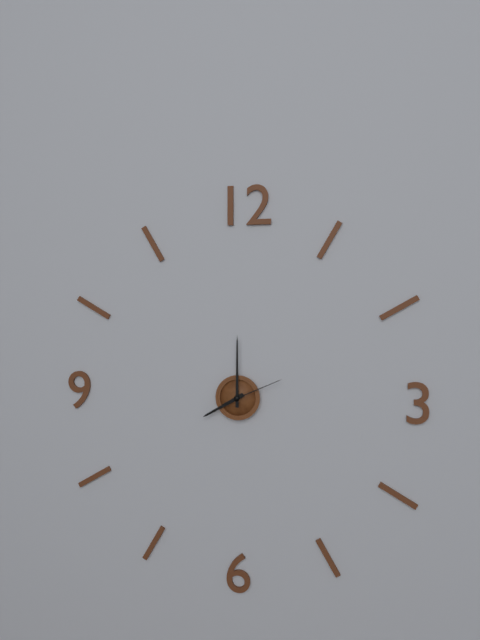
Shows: 8,00,11
